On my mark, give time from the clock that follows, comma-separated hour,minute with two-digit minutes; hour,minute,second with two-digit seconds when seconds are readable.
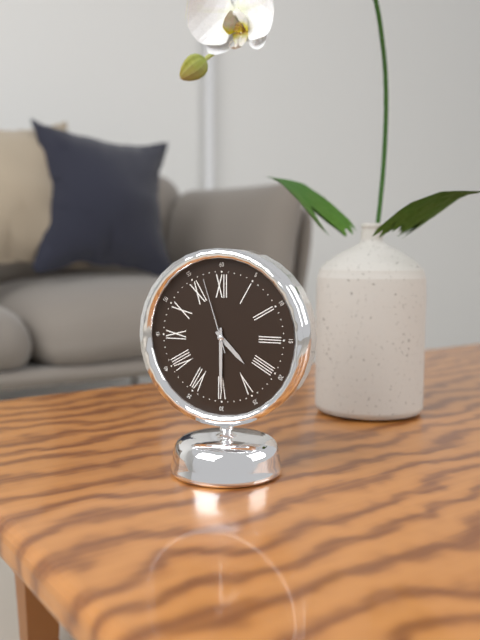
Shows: 4,30,57
